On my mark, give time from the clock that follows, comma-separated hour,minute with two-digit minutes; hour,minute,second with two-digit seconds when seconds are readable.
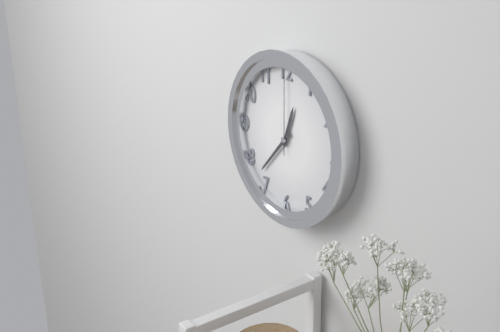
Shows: 12,37,00
